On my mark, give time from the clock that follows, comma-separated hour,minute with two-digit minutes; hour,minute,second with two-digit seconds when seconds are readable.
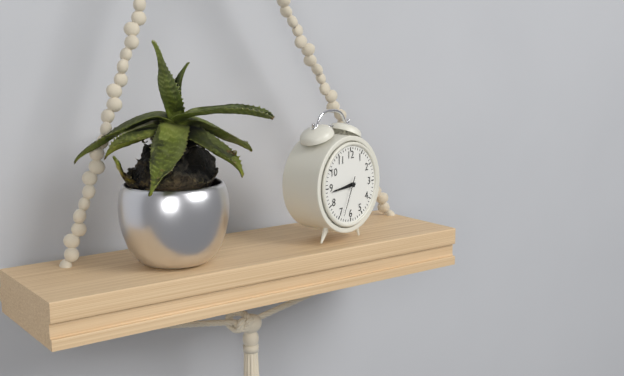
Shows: 8,44
